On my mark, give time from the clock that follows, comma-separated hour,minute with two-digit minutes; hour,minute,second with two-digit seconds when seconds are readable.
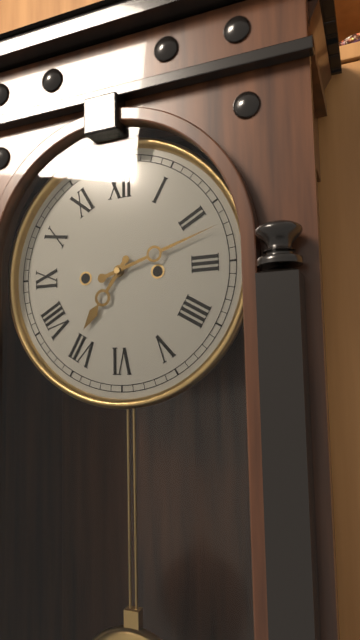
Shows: 7,12
